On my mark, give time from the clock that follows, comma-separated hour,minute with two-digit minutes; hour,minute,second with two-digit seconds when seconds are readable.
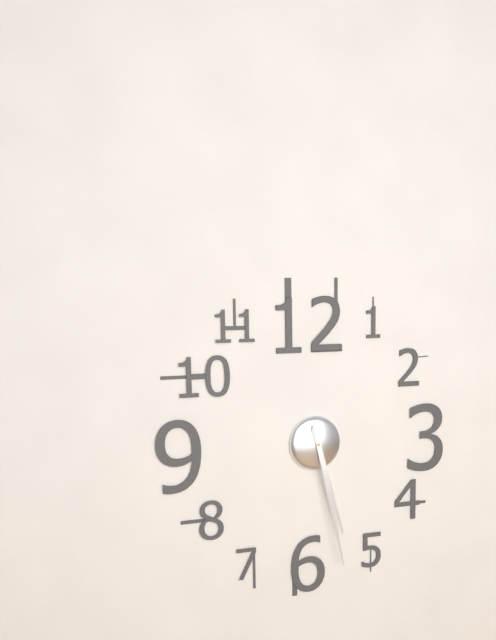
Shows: 5,28
